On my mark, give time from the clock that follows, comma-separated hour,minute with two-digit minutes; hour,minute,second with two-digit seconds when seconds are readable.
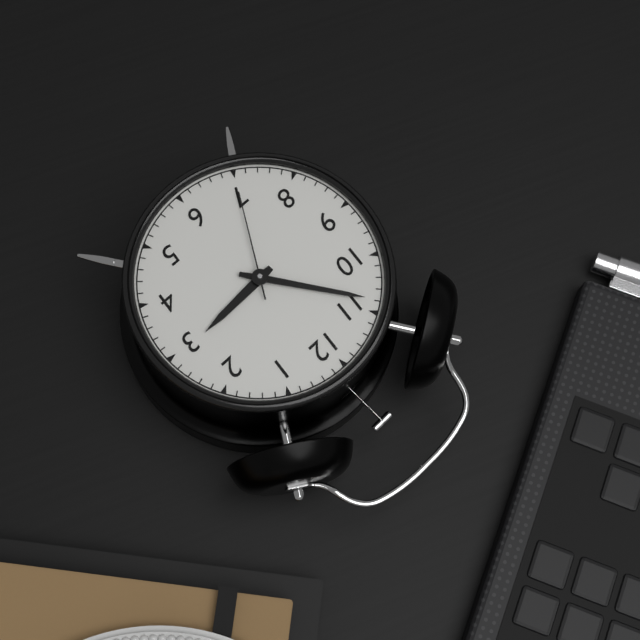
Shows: 2,54,35
